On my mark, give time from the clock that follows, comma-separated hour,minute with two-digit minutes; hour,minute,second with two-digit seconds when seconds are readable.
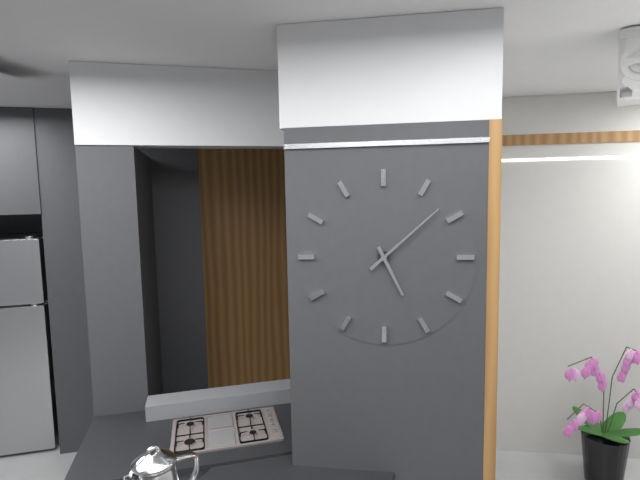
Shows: 5,08
